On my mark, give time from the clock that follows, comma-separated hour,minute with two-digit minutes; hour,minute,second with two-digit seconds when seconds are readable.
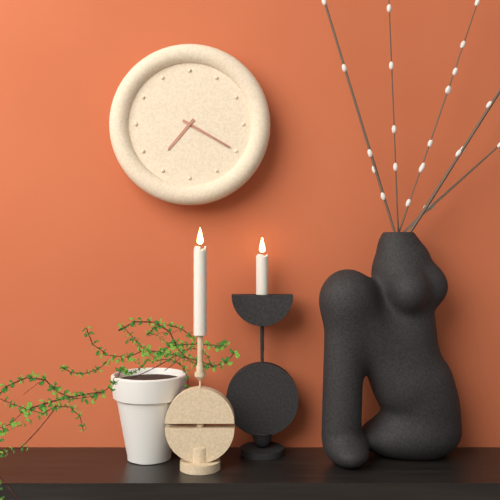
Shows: 7,20
